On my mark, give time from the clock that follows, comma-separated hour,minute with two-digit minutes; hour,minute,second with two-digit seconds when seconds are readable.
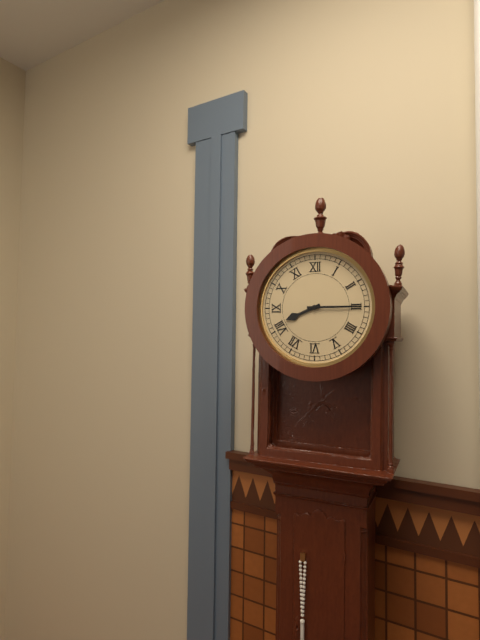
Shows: 8,15
